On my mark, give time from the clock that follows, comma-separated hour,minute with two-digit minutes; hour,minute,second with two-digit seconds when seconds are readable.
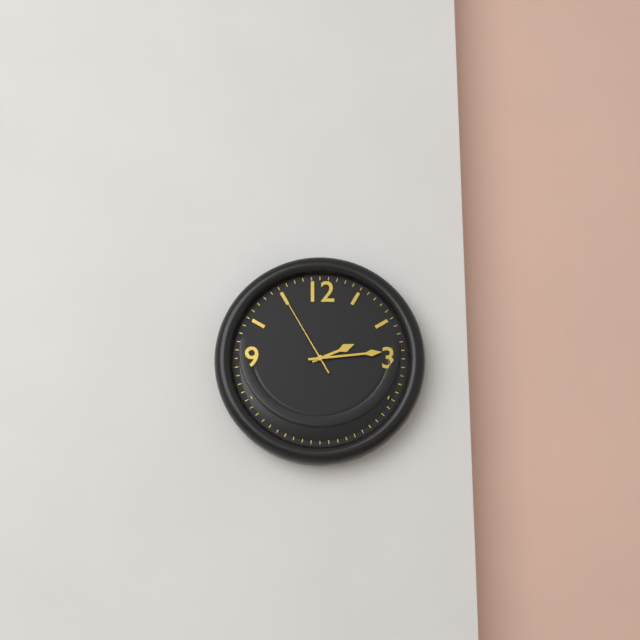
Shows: 2,14,55
